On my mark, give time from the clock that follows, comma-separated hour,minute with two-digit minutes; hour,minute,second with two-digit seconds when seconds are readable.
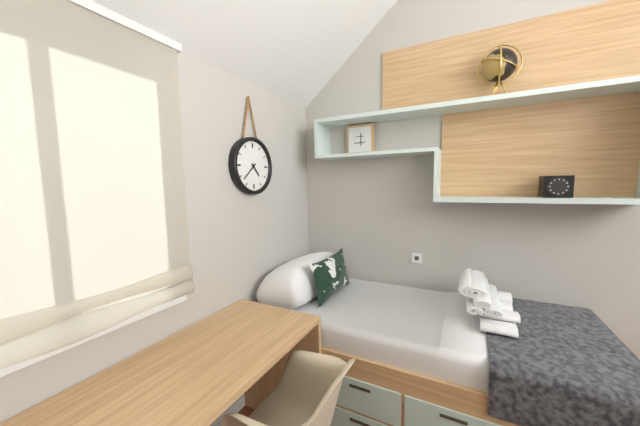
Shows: 4,38
